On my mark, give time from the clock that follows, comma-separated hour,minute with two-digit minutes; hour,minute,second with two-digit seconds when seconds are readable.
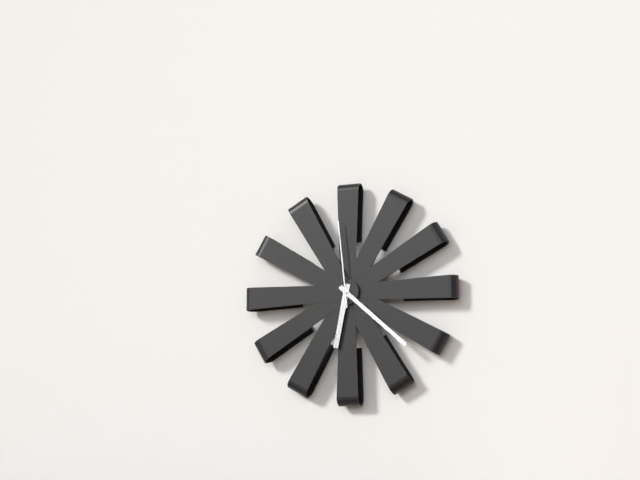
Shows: 6,22,59
